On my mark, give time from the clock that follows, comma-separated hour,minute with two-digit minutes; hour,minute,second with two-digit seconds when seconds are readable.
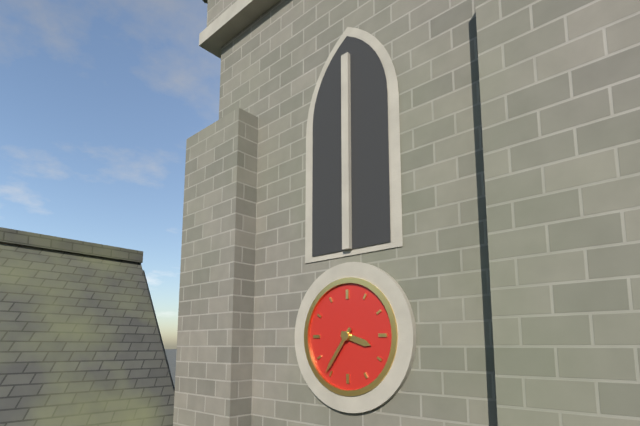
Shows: 3,36
